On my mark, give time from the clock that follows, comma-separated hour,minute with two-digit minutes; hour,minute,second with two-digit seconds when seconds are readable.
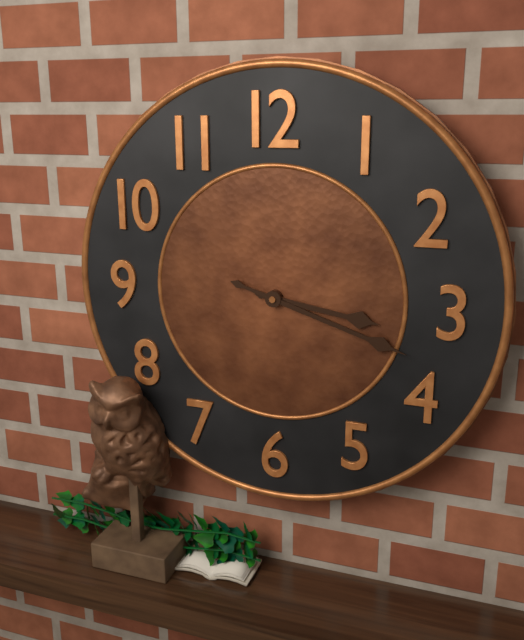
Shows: 3,18
